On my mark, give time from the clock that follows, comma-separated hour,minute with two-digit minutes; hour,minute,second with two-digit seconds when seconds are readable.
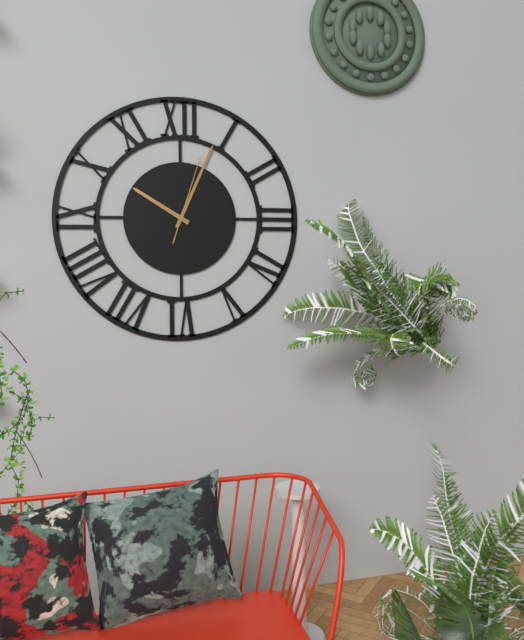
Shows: 10,04,03
